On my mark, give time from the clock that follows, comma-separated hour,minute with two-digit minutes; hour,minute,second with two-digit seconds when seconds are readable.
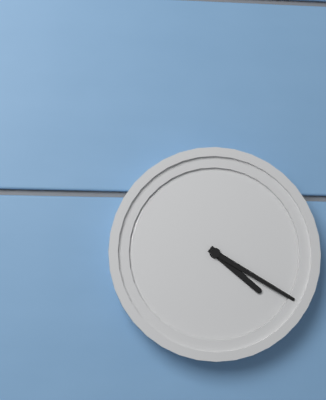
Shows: 4,20
